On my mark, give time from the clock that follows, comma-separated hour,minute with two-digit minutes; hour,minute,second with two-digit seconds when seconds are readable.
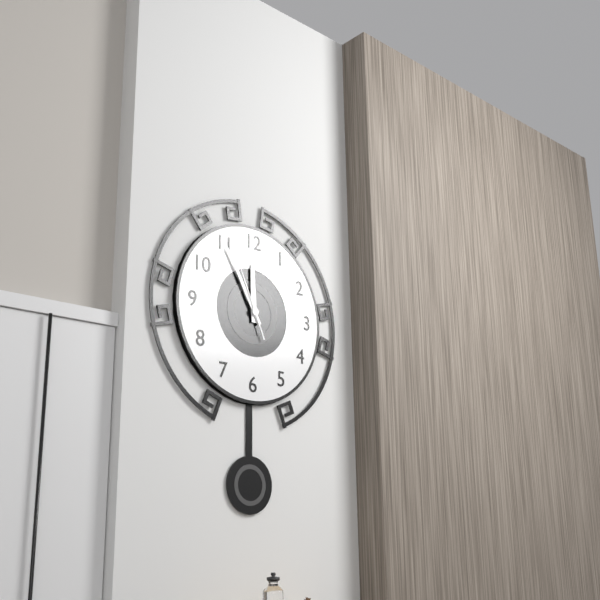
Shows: 11,55,56
